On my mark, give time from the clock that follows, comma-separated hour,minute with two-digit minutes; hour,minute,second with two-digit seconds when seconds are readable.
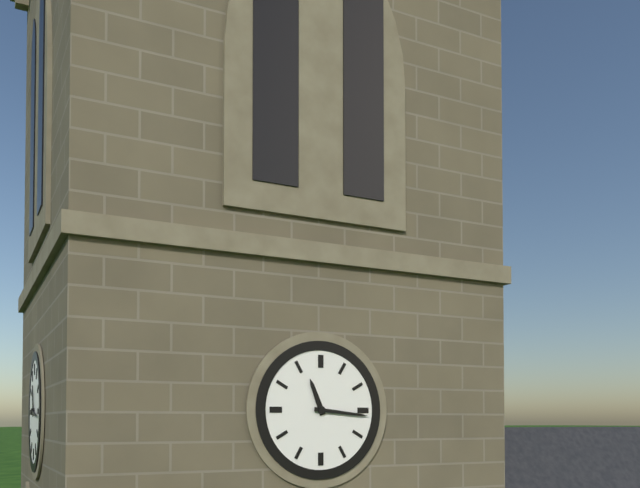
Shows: 11,16
